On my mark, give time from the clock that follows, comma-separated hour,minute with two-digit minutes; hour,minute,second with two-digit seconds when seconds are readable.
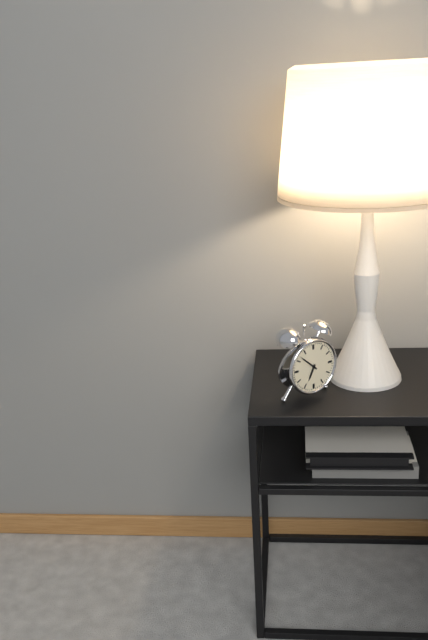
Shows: 6,52
